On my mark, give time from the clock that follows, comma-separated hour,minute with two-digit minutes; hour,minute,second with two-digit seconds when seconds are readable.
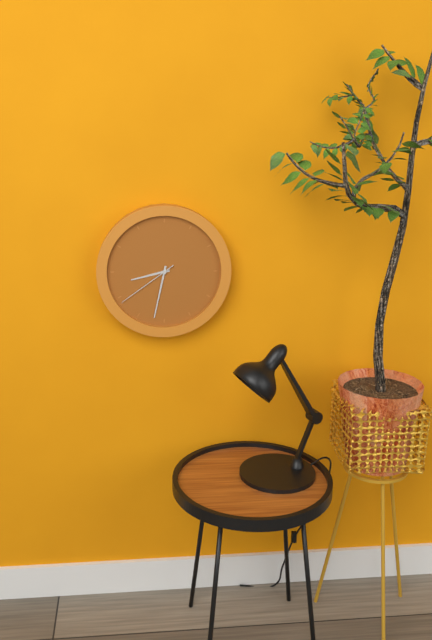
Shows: 8,32,39
